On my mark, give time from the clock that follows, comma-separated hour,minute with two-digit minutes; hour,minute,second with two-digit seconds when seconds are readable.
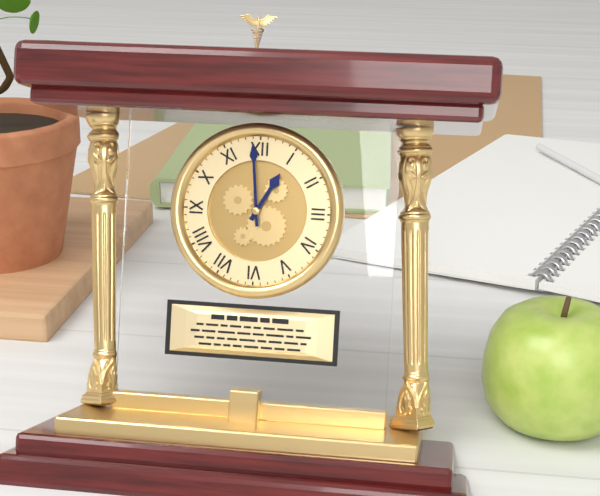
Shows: 12,59
